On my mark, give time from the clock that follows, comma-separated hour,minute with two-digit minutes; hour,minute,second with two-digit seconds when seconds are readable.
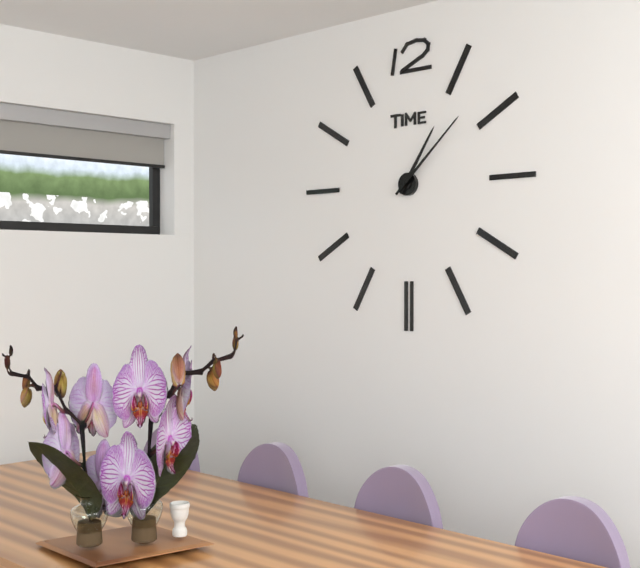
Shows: 1,08
